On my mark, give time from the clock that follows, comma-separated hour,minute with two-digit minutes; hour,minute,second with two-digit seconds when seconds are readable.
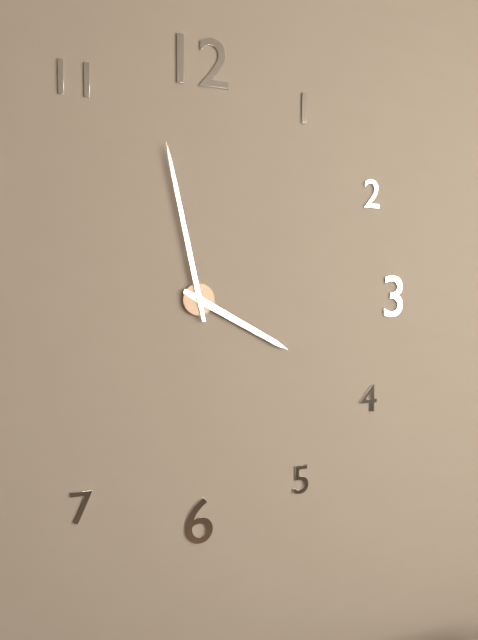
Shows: 3,58
